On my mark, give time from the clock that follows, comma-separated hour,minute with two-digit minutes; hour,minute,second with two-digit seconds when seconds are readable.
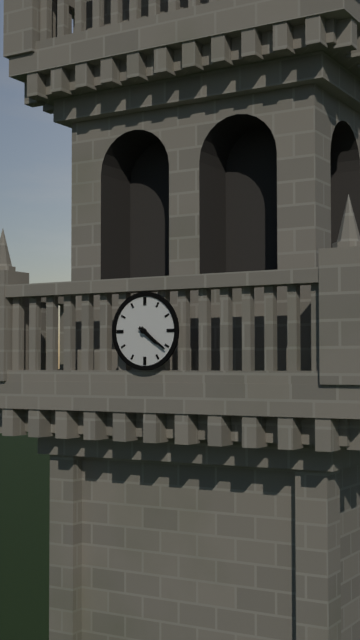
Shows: 4,21
